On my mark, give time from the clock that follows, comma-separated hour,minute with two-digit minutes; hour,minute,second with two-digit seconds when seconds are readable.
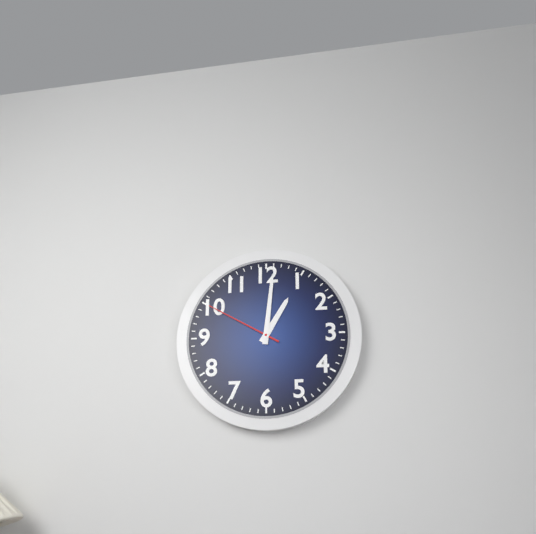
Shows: 1,01,50
